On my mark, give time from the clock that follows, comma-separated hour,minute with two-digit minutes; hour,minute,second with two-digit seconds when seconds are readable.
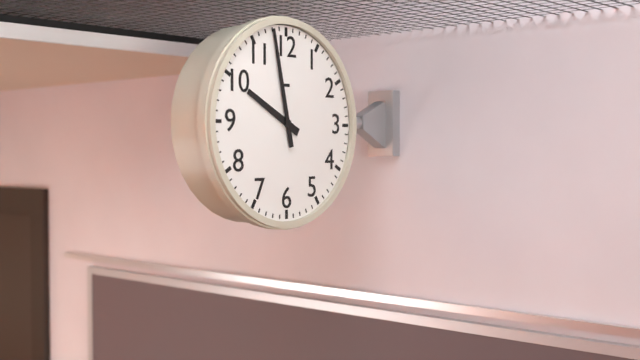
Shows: 9,58
